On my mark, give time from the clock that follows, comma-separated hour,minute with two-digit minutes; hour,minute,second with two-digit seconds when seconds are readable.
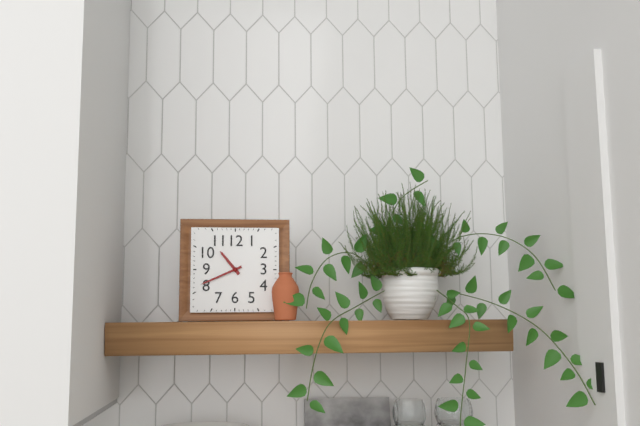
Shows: 10,41
